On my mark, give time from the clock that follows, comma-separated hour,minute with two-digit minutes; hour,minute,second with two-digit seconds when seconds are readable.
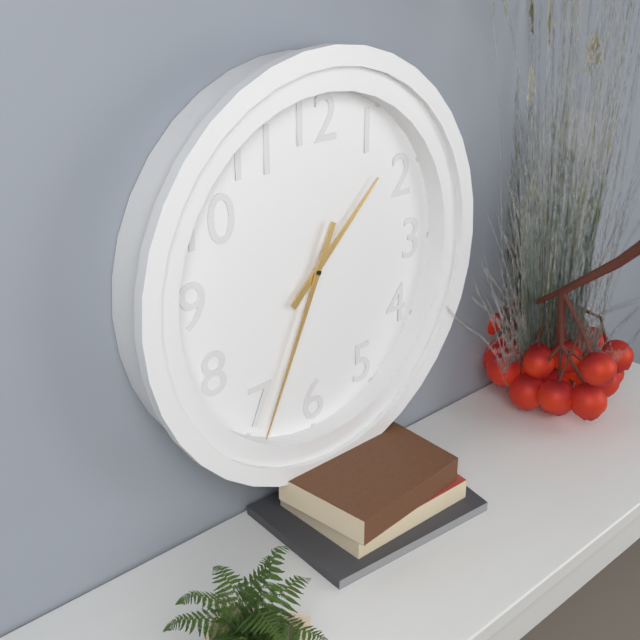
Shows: 1,34
